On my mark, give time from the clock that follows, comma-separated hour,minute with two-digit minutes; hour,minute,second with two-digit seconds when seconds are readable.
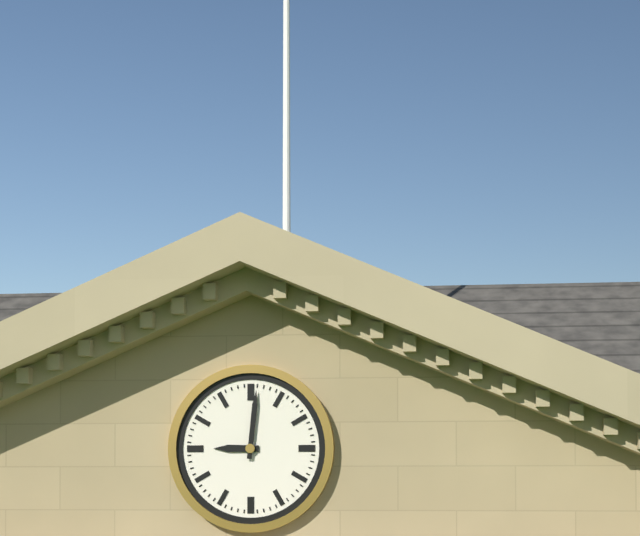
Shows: 9,01
